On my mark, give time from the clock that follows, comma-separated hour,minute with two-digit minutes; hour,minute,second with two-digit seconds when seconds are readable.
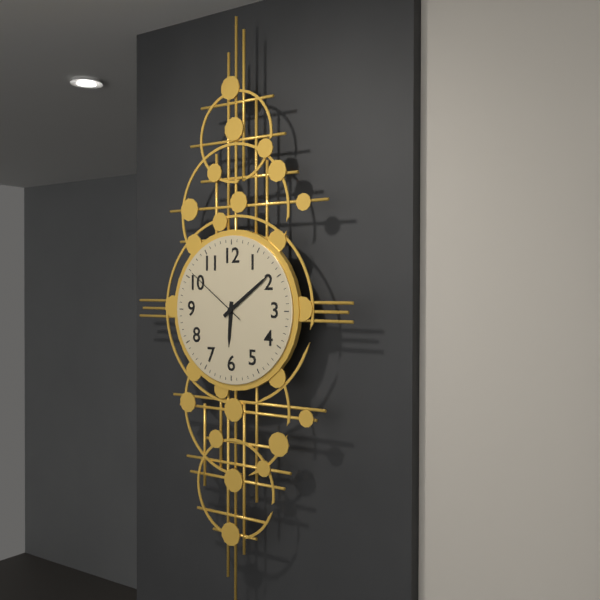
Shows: 6,09,51
